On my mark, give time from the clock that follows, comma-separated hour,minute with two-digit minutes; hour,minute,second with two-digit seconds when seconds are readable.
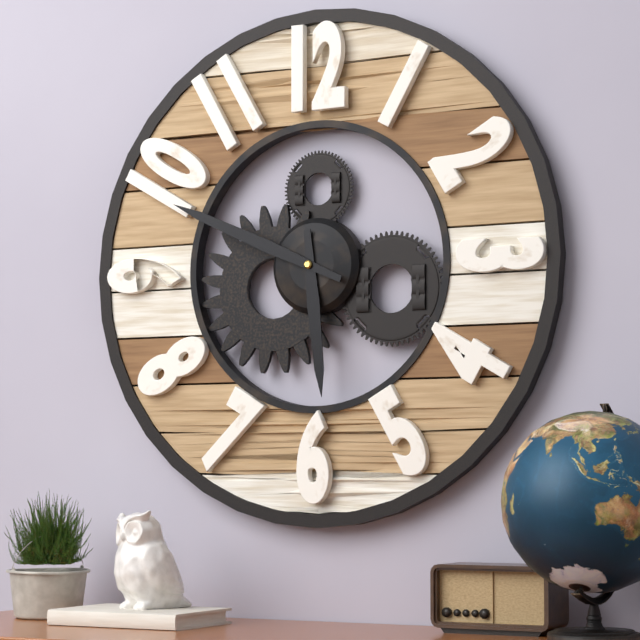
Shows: 5,49
